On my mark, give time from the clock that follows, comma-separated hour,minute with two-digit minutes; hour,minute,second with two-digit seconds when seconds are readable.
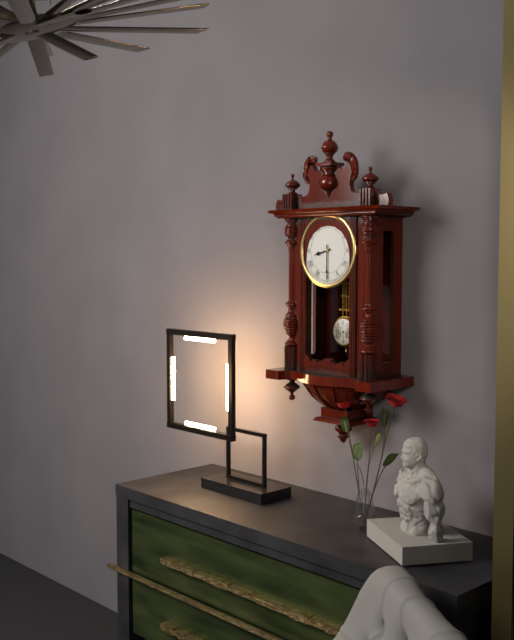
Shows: 8,30
